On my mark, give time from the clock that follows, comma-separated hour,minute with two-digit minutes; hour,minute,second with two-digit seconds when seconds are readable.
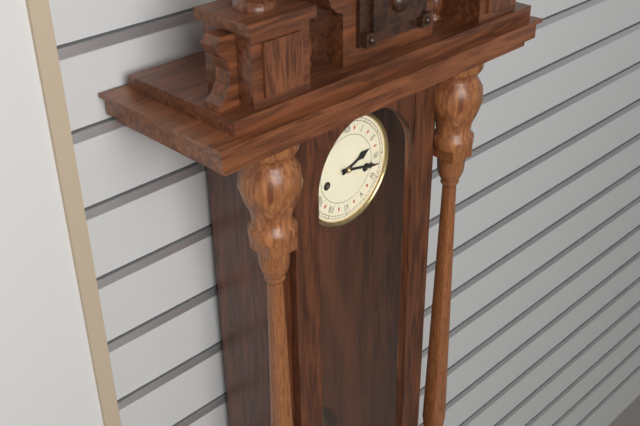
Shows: 2,17
